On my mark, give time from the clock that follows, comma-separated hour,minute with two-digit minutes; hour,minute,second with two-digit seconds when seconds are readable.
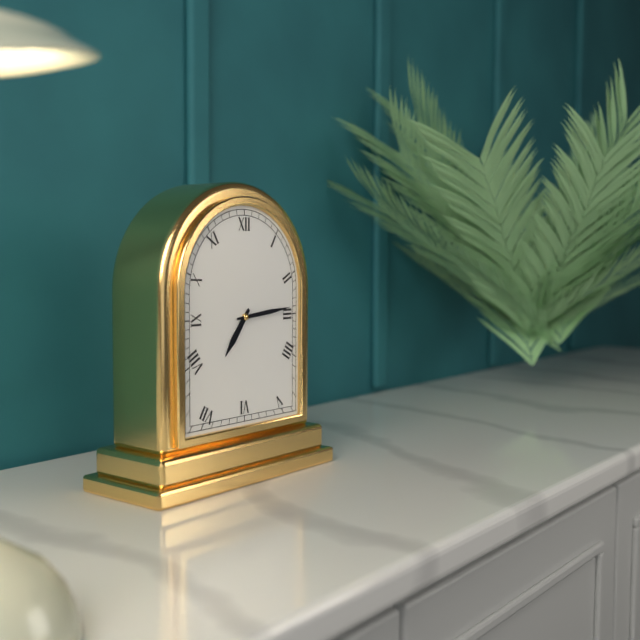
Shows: 7,14
